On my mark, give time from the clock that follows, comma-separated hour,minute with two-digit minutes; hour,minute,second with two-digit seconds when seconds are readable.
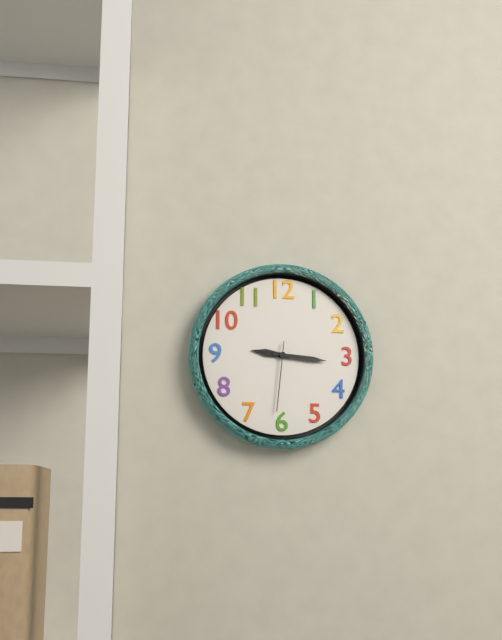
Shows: 9,16,31
